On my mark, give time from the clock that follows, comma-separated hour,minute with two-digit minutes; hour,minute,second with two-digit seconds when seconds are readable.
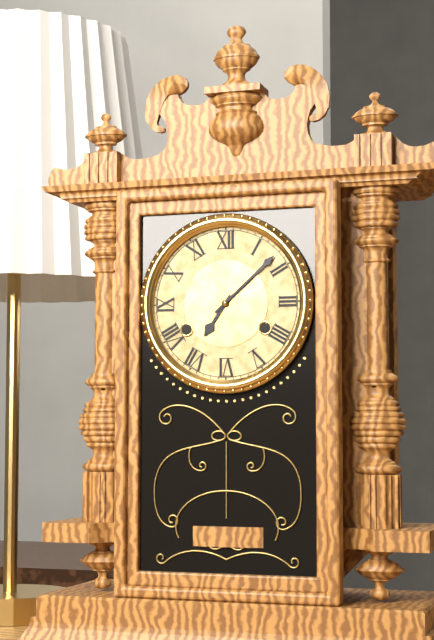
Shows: 7,08
